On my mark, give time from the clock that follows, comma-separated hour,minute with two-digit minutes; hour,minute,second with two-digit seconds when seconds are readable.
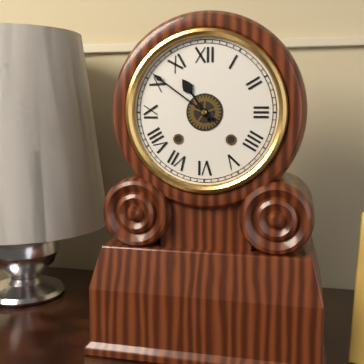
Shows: 10,51
